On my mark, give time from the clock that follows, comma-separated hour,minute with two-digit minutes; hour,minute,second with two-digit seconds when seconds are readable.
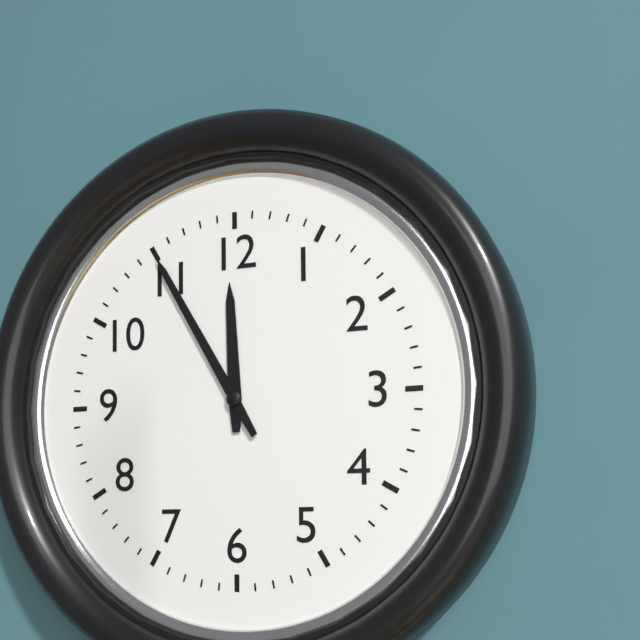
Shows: 11,55
